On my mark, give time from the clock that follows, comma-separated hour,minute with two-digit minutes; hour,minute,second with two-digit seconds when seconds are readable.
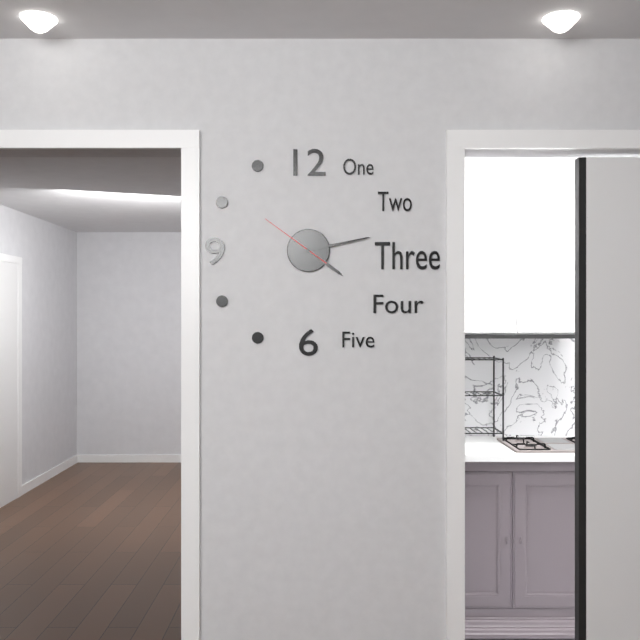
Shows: 4,13,51
